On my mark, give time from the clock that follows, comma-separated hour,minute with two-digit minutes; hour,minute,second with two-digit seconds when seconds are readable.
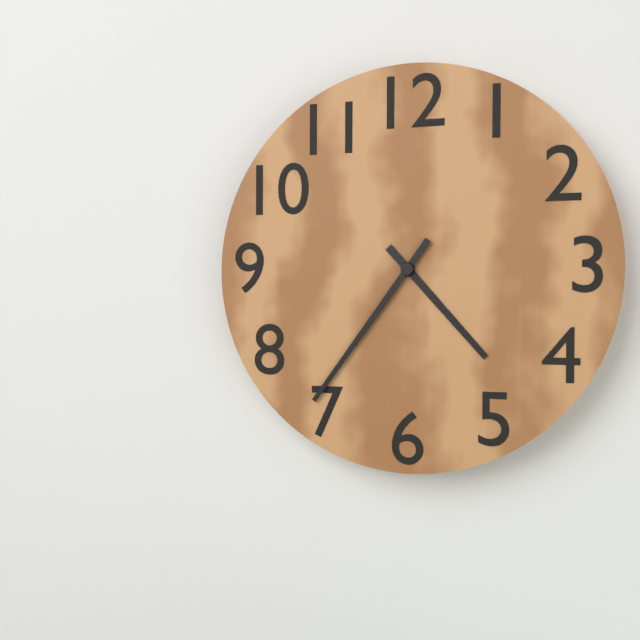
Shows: 4,36
